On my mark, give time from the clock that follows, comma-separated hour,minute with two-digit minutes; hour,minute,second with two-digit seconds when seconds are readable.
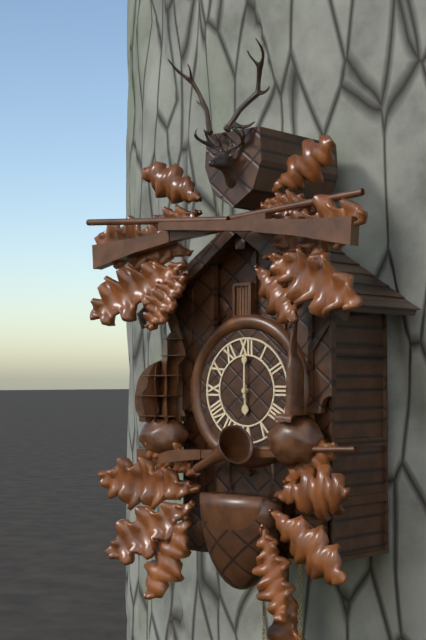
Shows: 6,00
